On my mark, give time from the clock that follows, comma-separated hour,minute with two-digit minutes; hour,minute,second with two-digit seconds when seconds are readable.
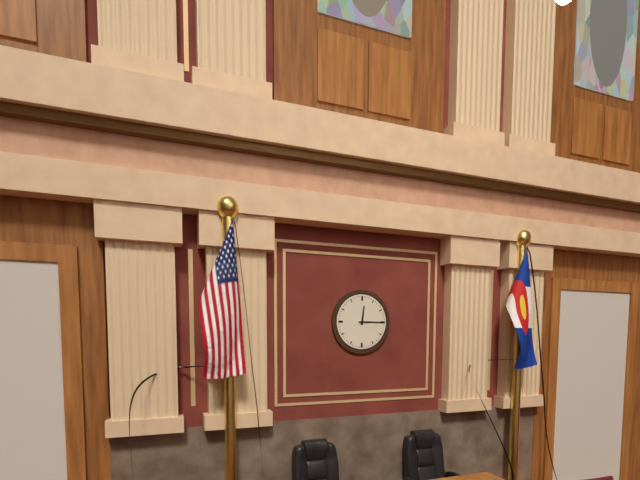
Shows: 12,15
